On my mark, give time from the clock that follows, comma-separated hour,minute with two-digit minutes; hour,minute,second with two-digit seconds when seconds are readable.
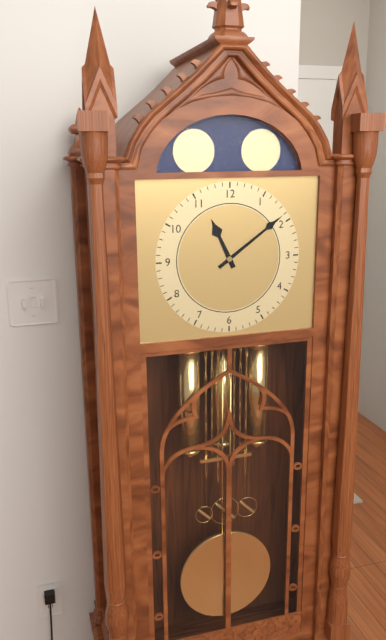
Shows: 11,09
